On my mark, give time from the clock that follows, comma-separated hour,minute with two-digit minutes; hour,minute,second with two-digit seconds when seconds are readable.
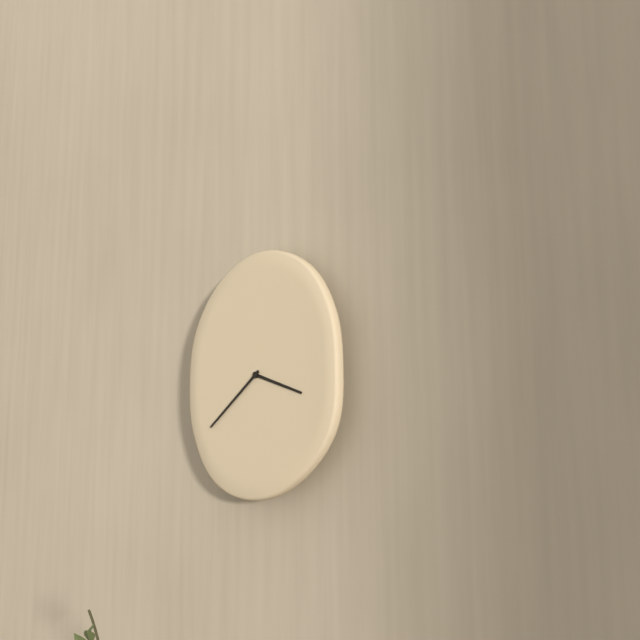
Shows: 3,39
